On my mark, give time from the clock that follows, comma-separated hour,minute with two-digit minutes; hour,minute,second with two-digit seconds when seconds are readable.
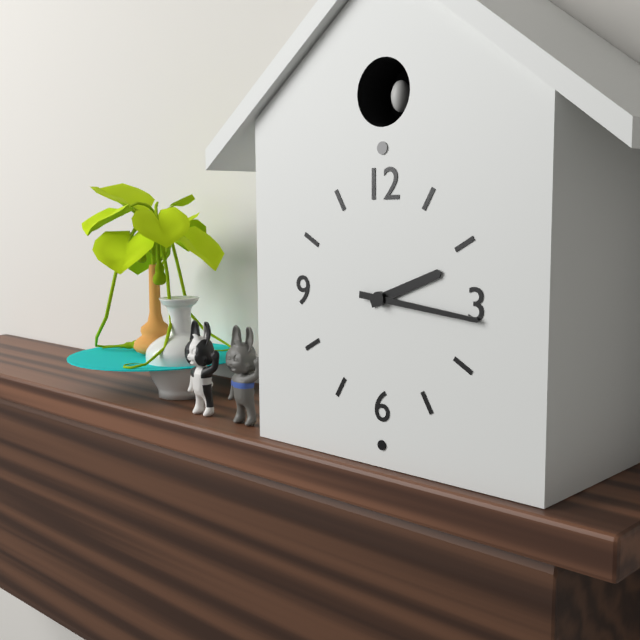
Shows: 2,16
